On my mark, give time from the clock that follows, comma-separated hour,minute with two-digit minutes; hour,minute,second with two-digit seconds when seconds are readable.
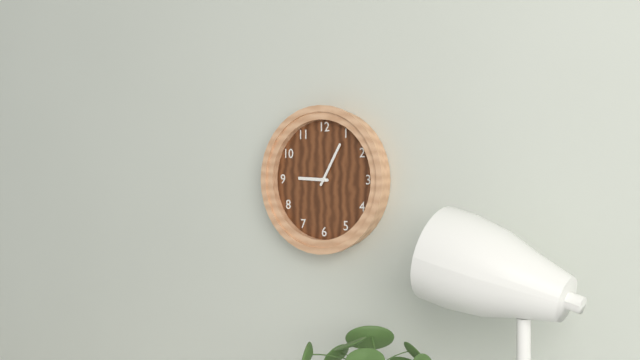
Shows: 9,05
